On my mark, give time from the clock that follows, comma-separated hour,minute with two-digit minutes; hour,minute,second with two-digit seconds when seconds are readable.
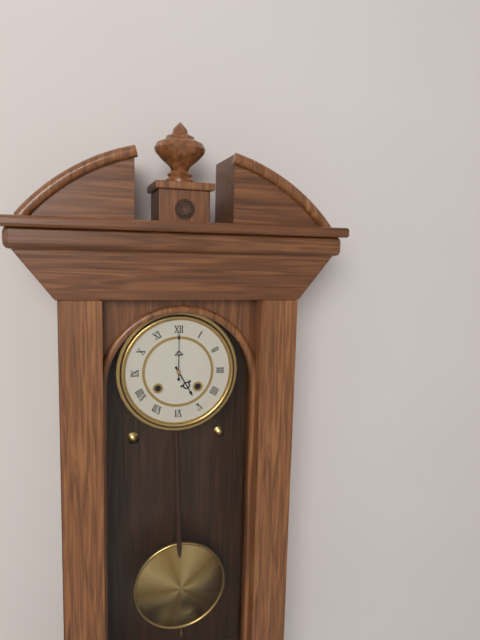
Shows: 5,00
